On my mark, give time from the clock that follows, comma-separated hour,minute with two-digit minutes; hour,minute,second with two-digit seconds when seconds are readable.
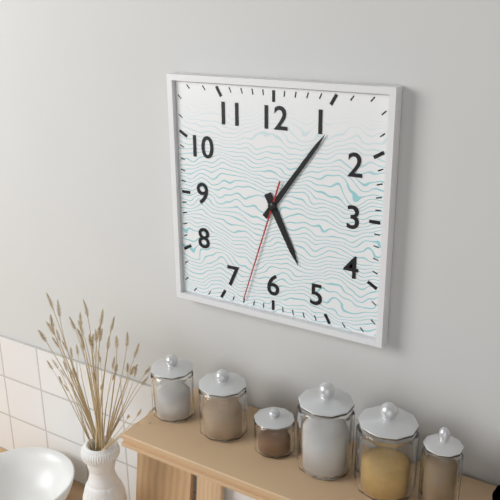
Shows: 5,06,33
